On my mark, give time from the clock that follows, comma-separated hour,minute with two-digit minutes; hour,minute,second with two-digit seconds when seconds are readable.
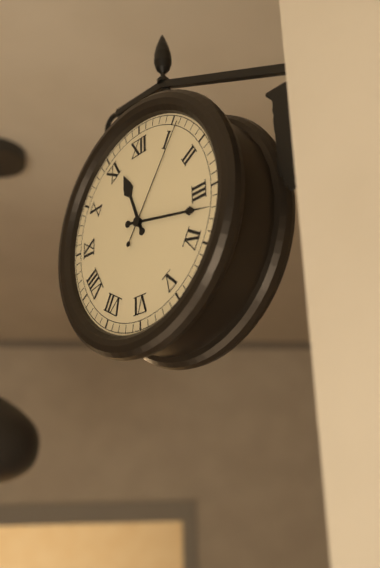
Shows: 11,17,06
